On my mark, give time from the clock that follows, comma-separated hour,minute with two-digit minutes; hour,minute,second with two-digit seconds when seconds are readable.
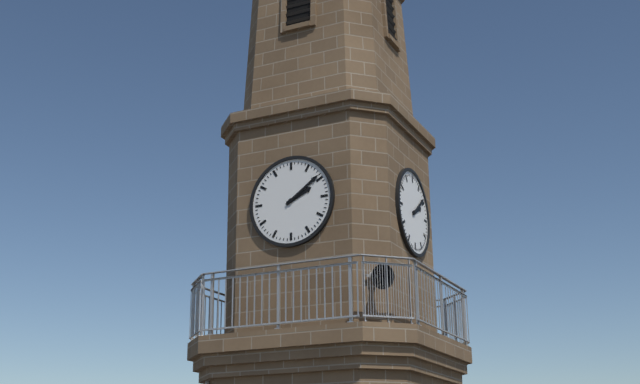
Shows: 2,09
